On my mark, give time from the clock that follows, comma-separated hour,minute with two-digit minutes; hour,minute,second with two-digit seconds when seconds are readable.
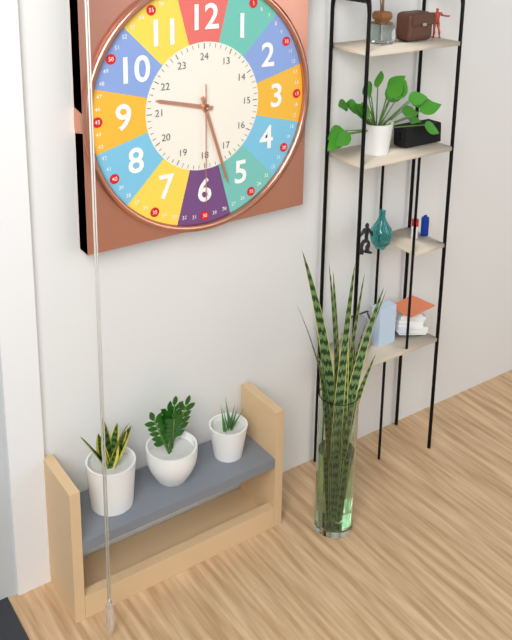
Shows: 9,27,30
